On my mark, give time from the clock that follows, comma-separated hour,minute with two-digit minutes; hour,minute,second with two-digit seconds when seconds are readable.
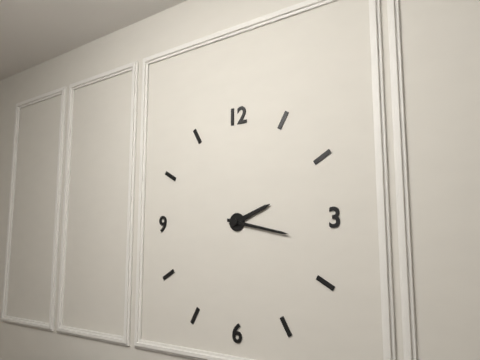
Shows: 2,17
